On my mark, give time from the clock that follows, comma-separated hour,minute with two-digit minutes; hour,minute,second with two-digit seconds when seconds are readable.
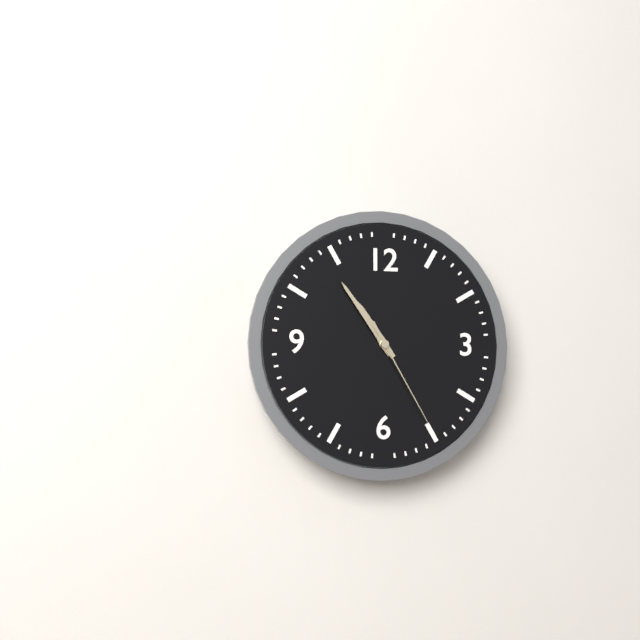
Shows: 10,54,25
